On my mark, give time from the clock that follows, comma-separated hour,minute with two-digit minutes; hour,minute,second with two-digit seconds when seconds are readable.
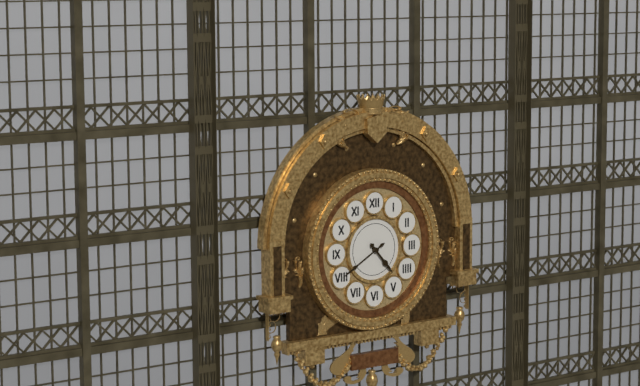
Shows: 4,40
